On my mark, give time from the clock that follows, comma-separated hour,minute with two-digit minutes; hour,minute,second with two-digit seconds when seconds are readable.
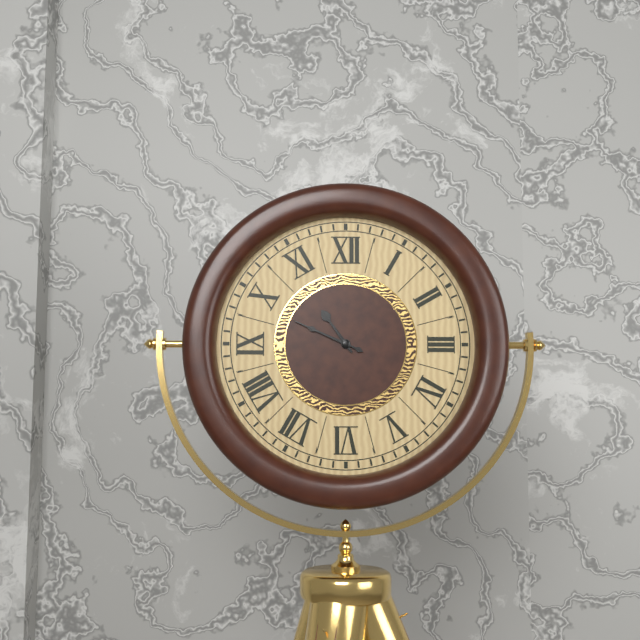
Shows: 10,49
